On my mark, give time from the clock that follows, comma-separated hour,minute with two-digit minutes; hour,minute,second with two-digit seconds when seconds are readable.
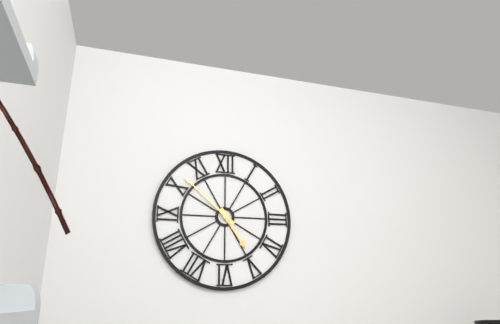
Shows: 4,52
